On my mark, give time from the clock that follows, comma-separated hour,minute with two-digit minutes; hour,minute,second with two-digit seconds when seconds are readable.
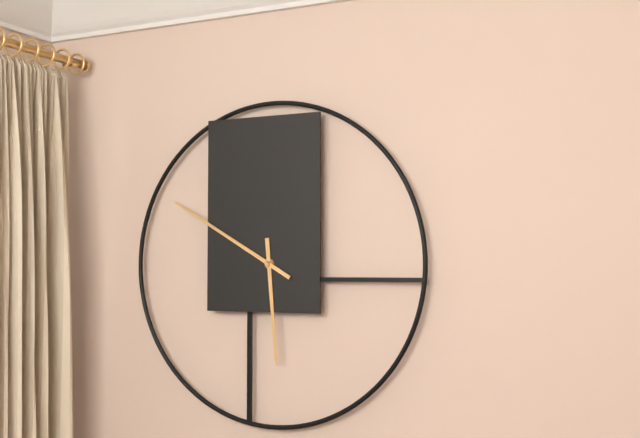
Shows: 5,50
